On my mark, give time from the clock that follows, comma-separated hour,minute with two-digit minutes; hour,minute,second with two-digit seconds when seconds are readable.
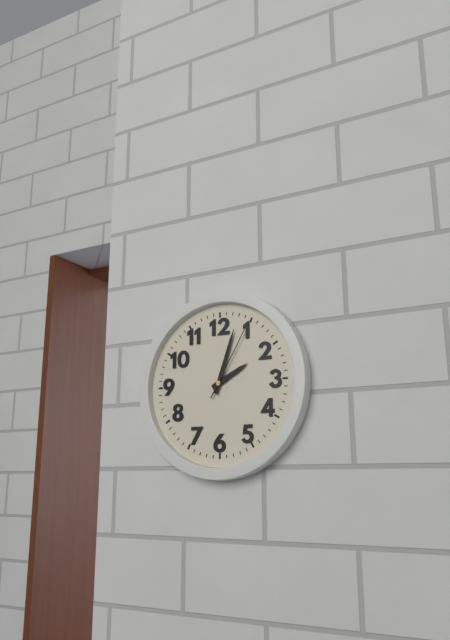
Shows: 2,03,05
